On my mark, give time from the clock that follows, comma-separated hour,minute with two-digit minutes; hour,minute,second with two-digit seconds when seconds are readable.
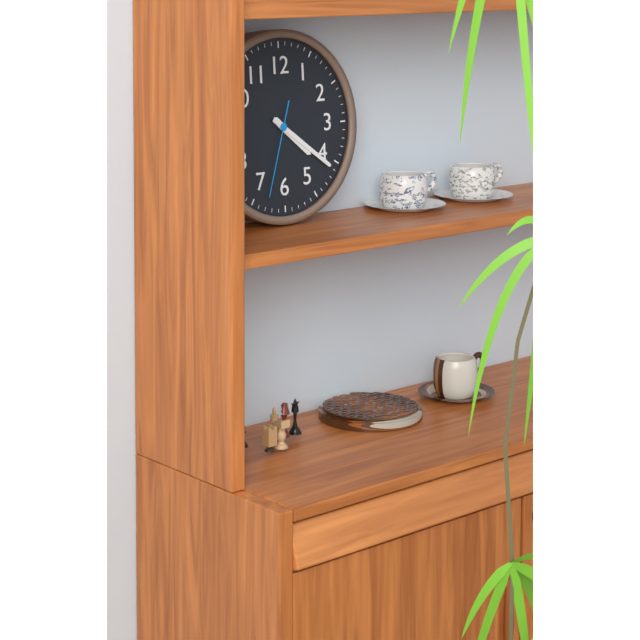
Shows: 4,21,33
